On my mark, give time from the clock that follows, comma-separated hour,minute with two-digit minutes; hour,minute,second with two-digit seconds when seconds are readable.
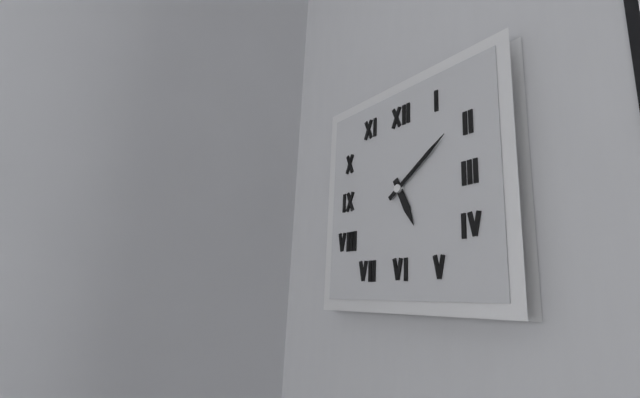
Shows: 5,09
